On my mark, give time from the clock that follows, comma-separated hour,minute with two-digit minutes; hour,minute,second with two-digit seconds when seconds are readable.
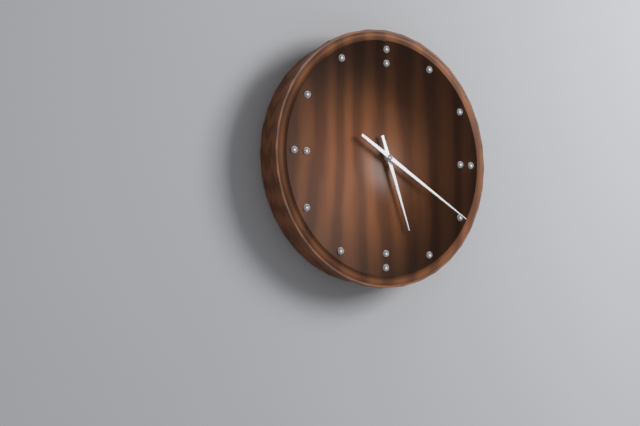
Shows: 5,20
